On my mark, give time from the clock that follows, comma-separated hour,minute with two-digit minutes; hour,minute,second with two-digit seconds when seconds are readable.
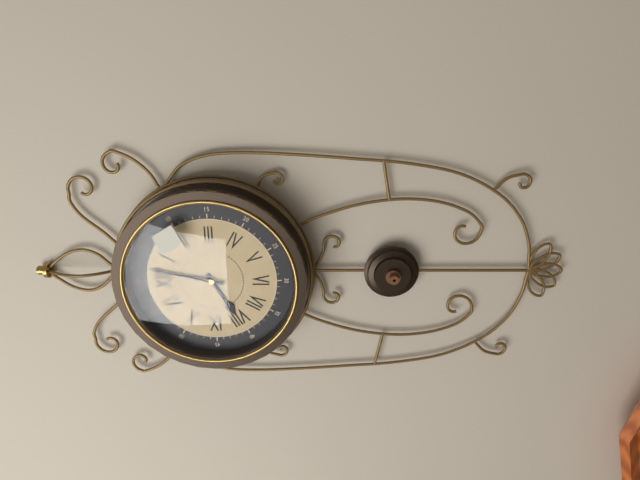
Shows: 8,02
